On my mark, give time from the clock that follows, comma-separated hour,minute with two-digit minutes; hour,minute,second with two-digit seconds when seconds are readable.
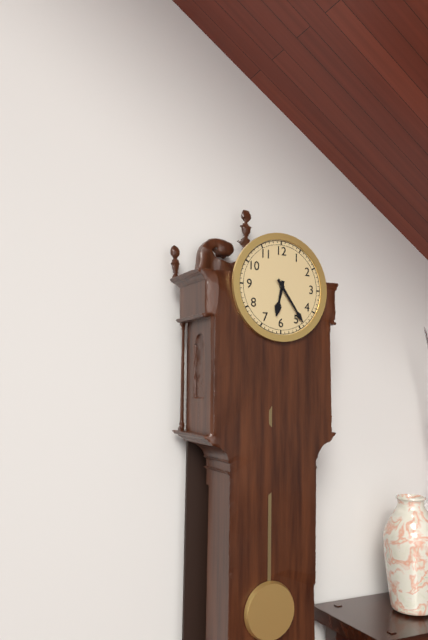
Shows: 6,24
